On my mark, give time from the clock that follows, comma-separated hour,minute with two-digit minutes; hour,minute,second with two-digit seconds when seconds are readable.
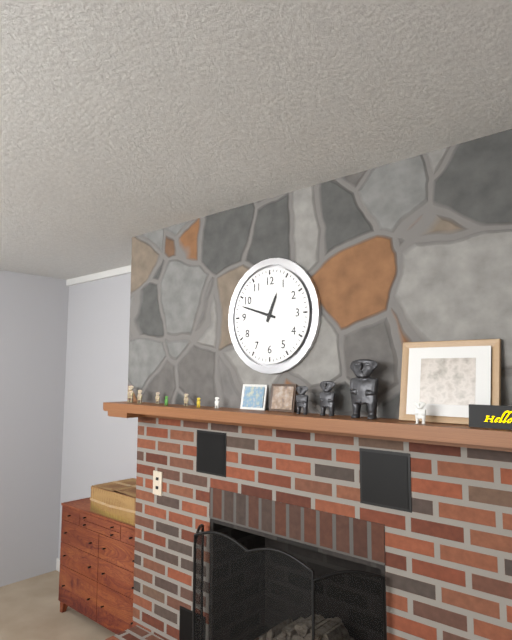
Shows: 12,48
